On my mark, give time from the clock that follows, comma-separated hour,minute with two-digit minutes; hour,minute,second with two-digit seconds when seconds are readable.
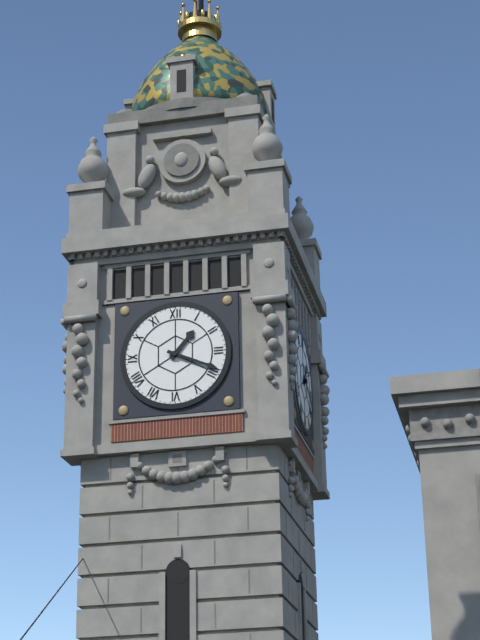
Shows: 1,19
